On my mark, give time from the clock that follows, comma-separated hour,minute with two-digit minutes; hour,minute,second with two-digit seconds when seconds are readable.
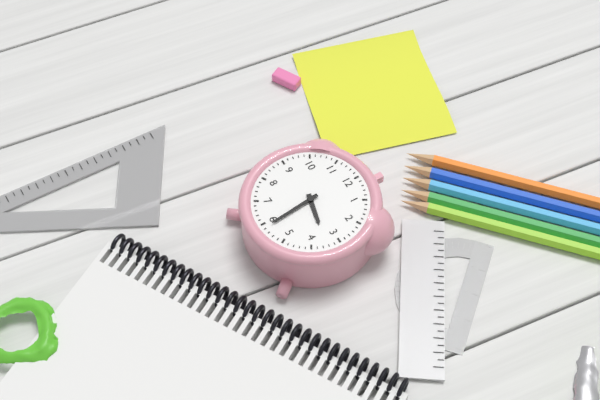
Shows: 3,29
